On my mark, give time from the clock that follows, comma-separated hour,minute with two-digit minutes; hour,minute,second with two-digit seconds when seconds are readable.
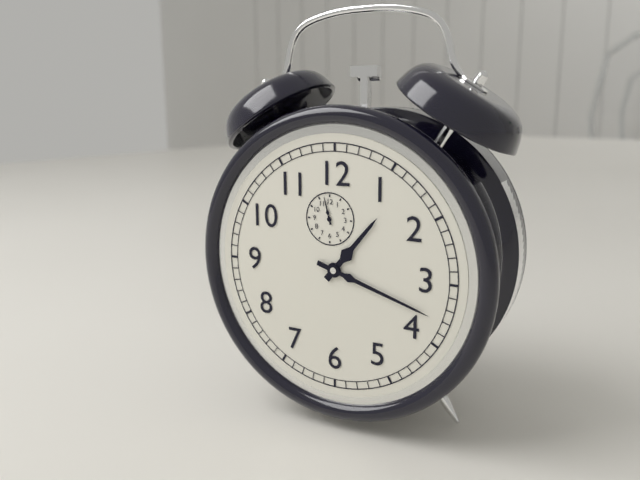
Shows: 1,18
